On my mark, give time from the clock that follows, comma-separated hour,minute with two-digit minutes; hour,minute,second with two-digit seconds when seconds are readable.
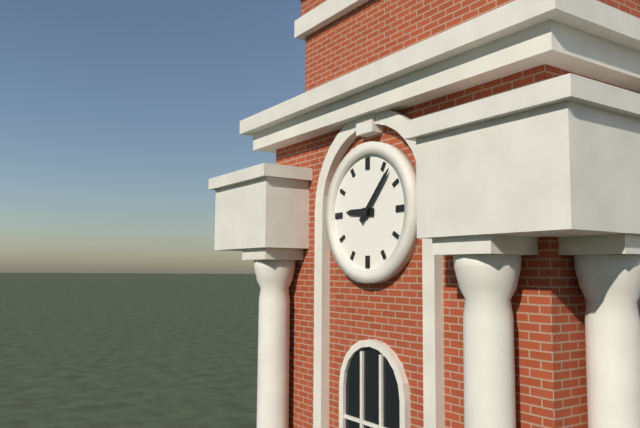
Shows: 9,07
